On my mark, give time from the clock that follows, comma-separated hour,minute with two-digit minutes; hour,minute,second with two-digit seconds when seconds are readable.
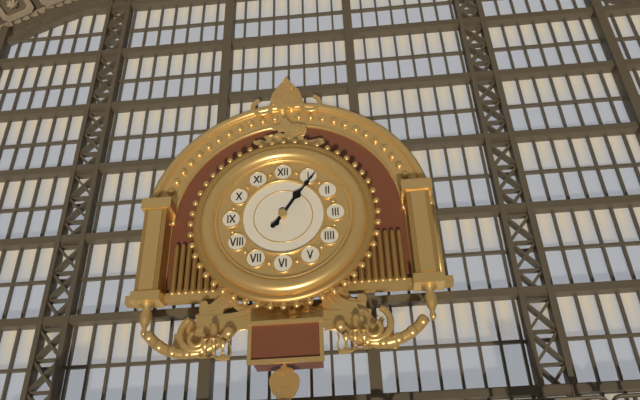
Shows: 1,06
